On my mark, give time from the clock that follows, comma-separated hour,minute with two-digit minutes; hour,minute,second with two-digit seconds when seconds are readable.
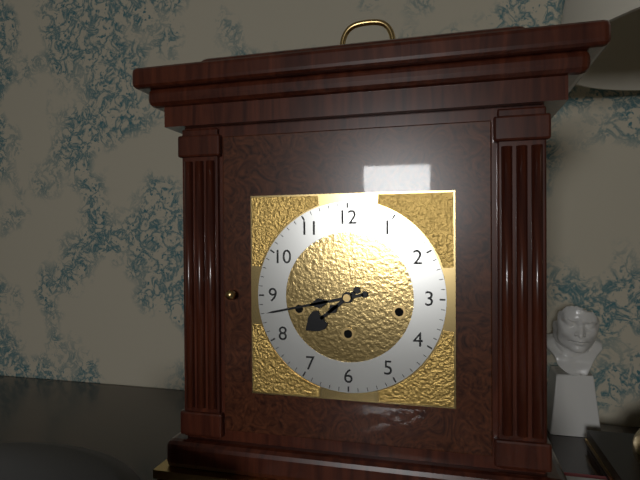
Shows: 7,43
